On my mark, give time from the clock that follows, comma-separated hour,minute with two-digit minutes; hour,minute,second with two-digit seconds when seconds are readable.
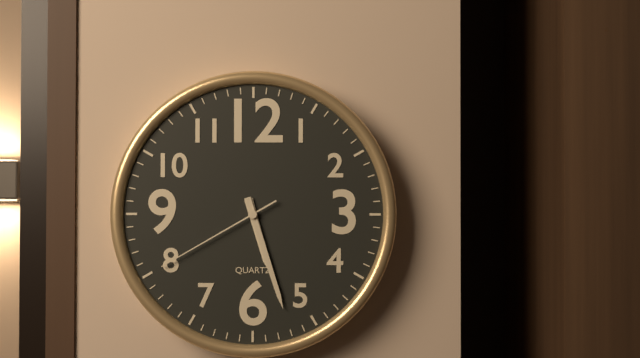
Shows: 5,27,40
